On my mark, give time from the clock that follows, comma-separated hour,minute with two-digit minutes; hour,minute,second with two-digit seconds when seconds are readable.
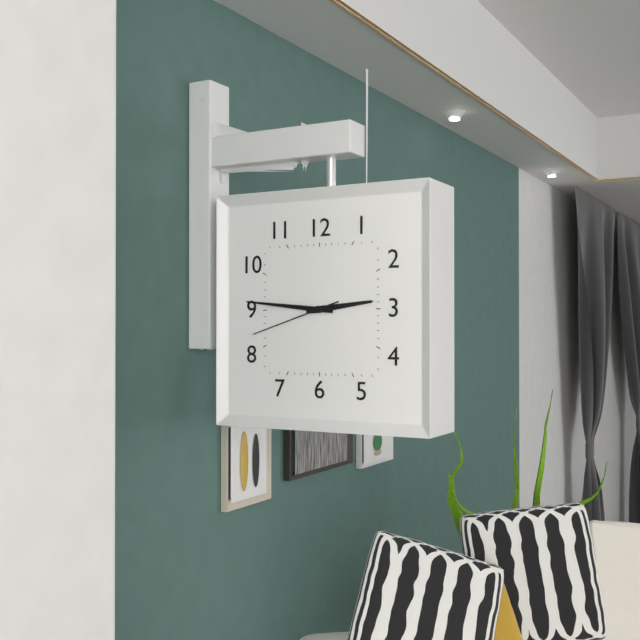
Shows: 2,46,42
